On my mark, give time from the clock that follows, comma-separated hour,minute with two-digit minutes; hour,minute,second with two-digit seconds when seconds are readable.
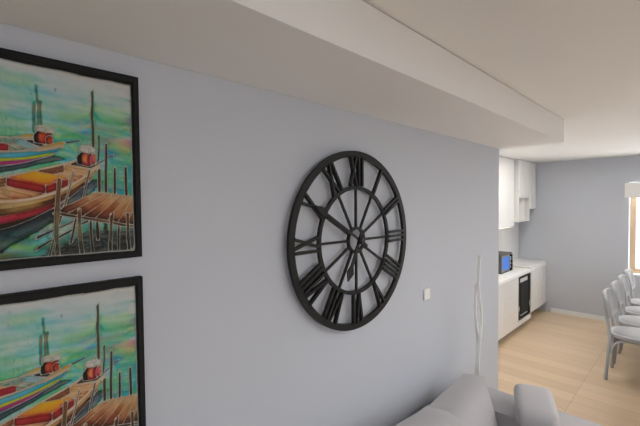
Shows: 6,50
